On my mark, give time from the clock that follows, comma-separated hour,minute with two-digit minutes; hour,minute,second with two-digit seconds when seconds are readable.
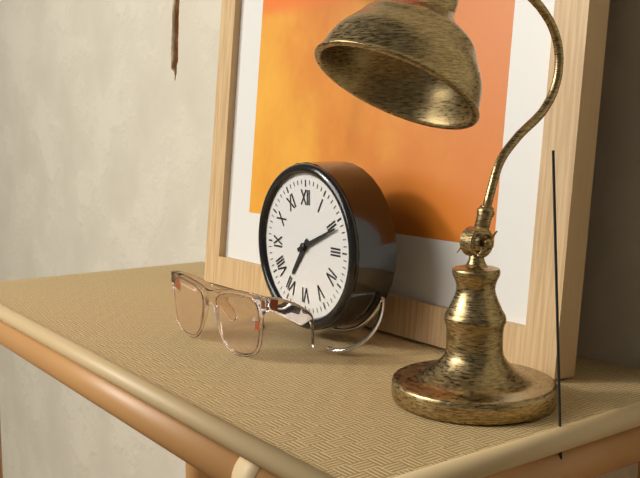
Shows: 7,11
